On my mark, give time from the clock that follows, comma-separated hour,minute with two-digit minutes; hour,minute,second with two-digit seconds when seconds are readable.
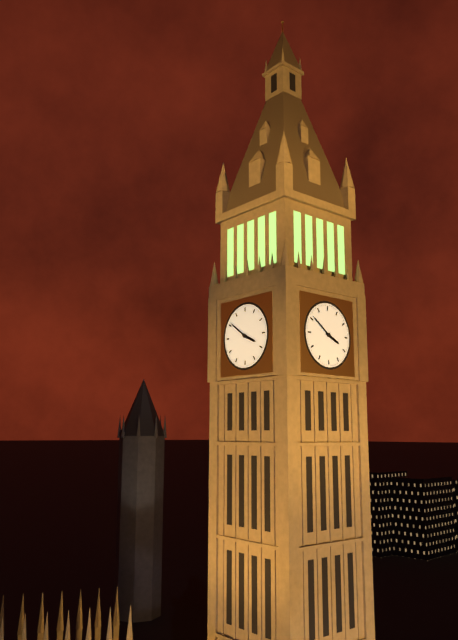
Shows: 3,51
